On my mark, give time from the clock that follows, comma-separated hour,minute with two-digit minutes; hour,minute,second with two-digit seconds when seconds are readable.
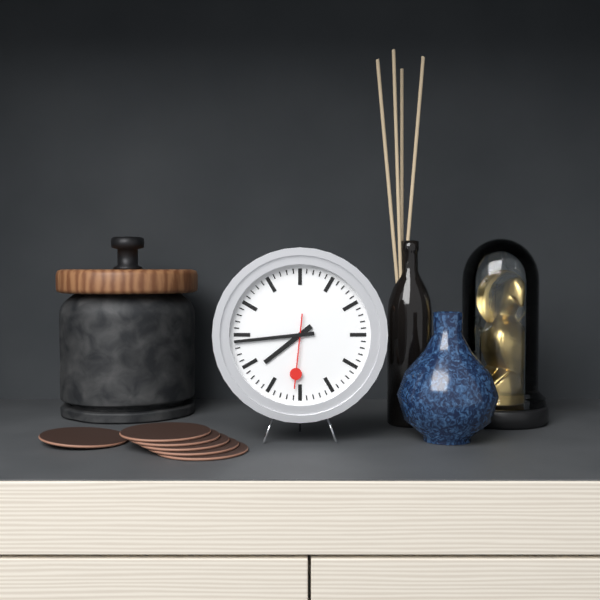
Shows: 7,44,31
